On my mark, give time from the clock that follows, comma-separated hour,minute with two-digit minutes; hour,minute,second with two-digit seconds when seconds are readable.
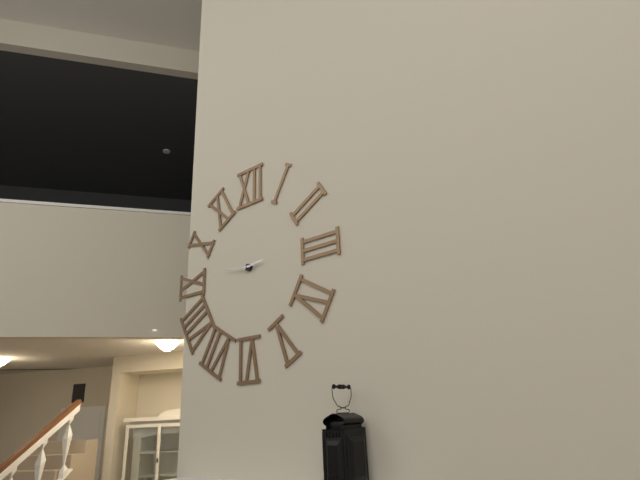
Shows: 2,46
